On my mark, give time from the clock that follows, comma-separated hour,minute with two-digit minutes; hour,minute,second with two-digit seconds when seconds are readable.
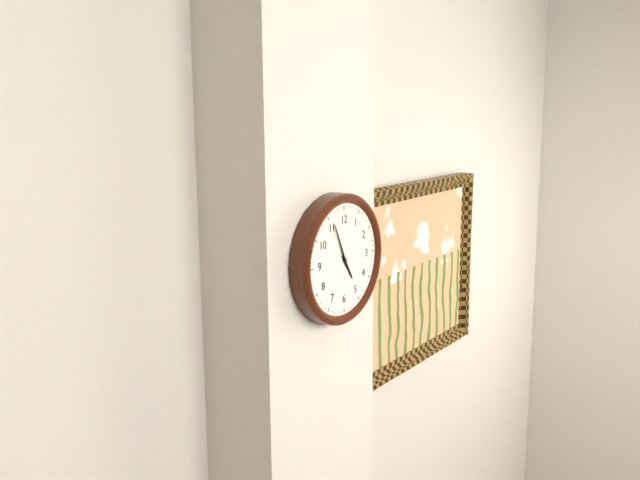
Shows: 4,56
